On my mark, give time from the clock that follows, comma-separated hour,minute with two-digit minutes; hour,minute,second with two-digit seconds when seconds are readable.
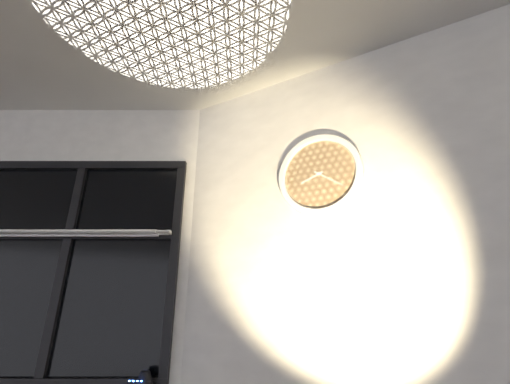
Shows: 8,21
